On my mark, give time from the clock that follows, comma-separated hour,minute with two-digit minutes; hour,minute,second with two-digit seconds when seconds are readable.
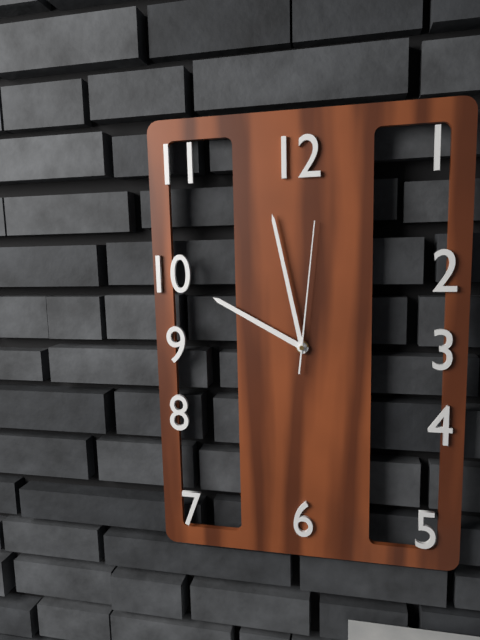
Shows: 9,58,01
